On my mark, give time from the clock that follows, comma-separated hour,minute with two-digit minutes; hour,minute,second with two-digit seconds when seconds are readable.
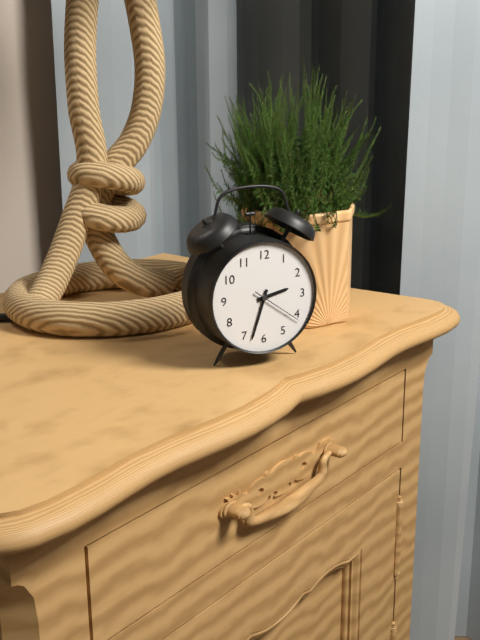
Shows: 2,33,21
